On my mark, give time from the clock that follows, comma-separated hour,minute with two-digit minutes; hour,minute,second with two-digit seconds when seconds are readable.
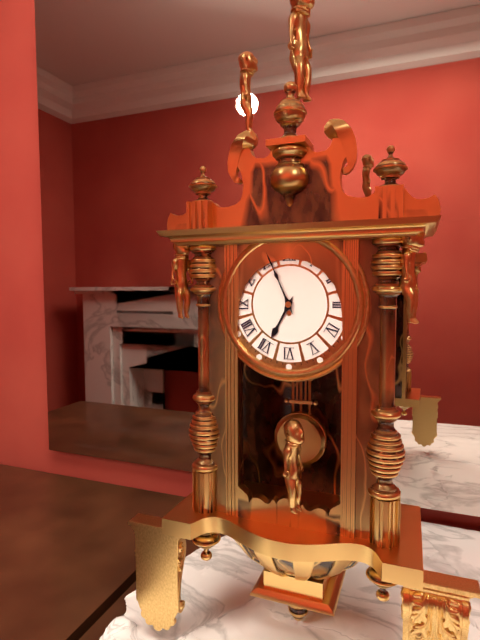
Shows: 6,56
